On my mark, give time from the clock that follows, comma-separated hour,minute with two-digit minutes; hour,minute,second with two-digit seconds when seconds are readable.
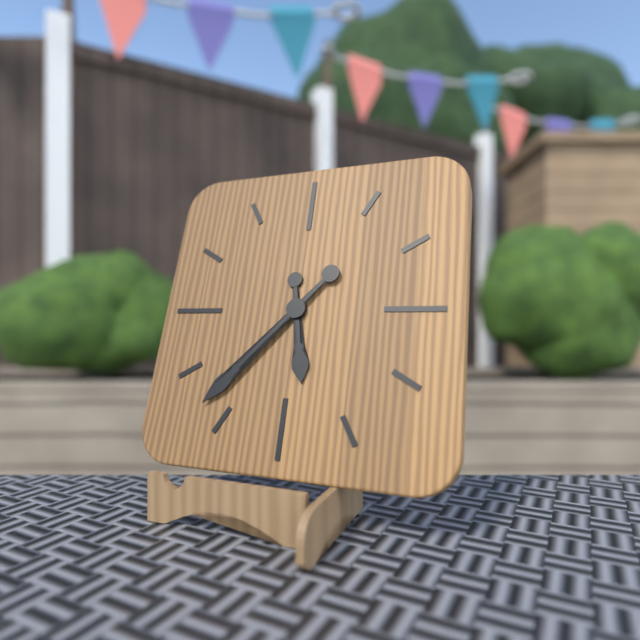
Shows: 5,37
